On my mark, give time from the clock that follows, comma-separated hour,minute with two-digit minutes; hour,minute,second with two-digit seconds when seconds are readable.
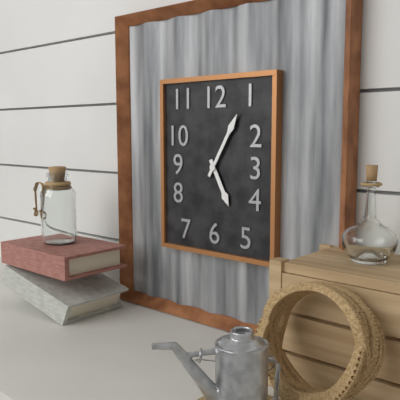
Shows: 5,05
